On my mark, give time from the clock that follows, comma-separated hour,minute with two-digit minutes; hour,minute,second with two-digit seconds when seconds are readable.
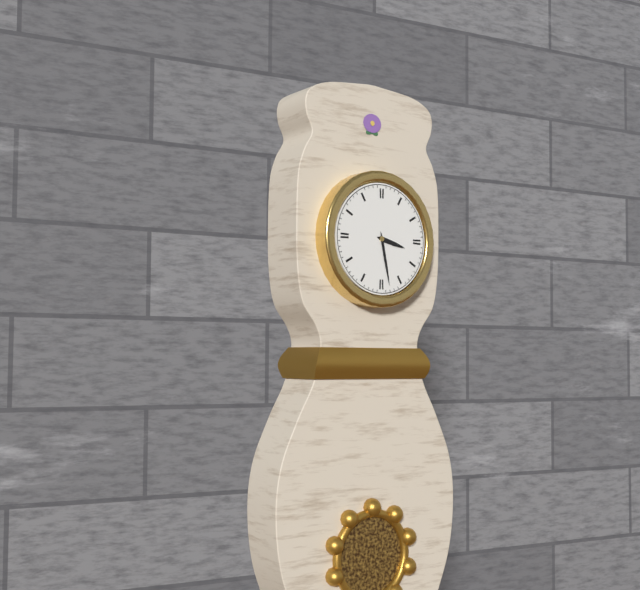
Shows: 3,28
